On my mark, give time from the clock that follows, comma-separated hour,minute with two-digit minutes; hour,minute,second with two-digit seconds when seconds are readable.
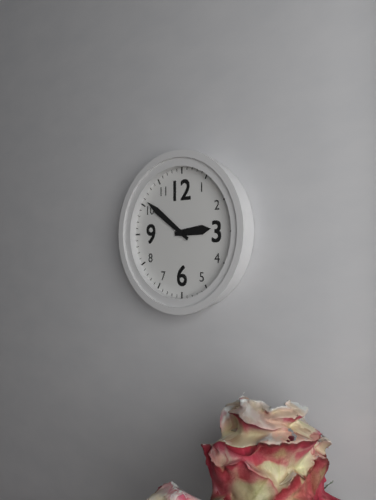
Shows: 2,51
